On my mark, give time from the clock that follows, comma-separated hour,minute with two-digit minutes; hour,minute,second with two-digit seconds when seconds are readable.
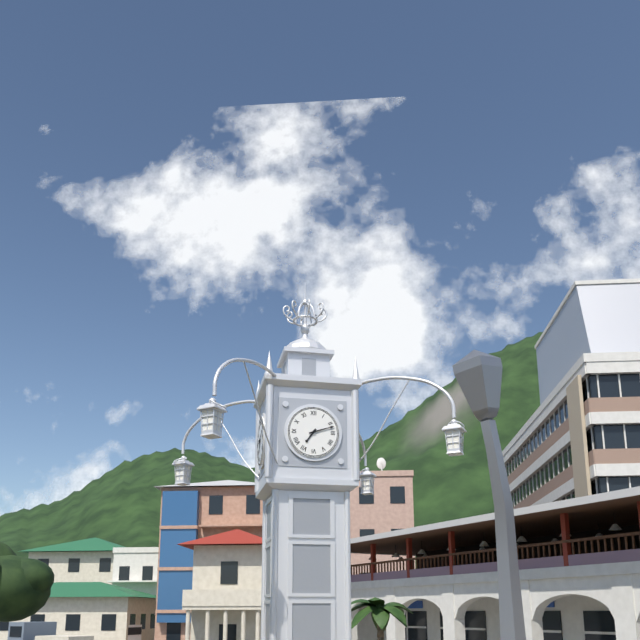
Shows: 7,12
